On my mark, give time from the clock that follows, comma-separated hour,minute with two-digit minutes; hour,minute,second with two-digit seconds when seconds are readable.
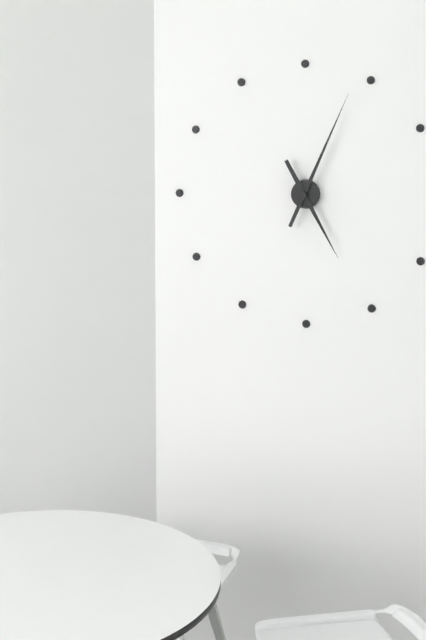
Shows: 5,04
